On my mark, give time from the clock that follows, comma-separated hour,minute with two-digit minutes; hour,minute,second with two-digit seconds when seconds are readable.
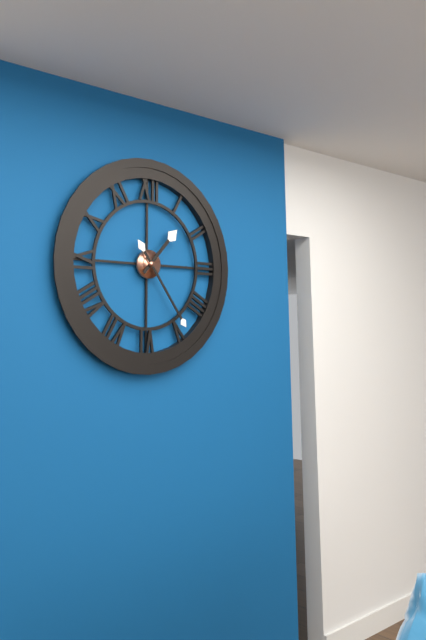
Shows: 1,24
